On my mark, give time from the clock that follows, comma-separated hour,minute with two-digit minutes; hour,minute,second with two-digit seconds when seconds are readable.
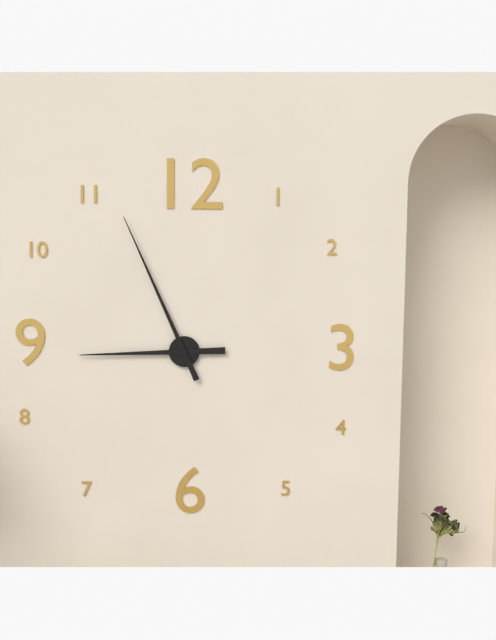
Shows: 8,56
